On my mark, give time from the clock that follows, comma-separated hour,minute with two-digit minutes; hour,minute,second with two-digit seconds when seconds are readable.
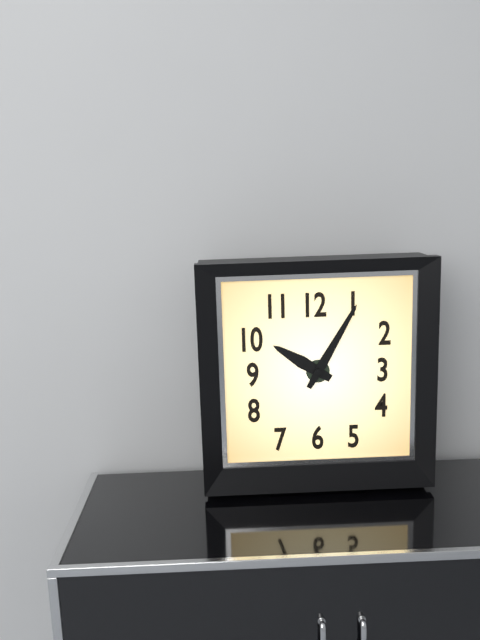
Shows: 10,05
